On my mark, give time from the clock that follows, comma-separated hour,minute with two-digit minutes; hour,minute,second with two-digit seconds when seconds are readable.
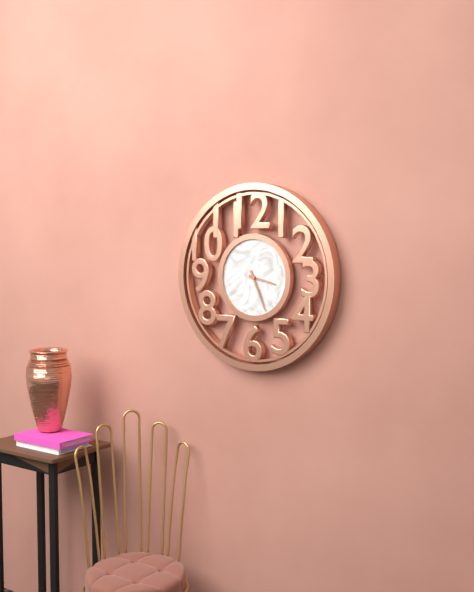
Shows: 3,26
